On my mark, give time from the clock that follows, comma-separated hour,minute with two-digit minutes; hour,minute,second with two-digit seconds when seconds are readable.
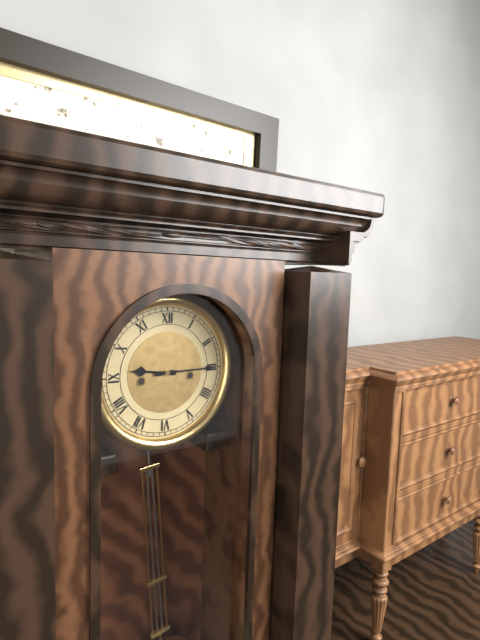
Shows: 9,15
